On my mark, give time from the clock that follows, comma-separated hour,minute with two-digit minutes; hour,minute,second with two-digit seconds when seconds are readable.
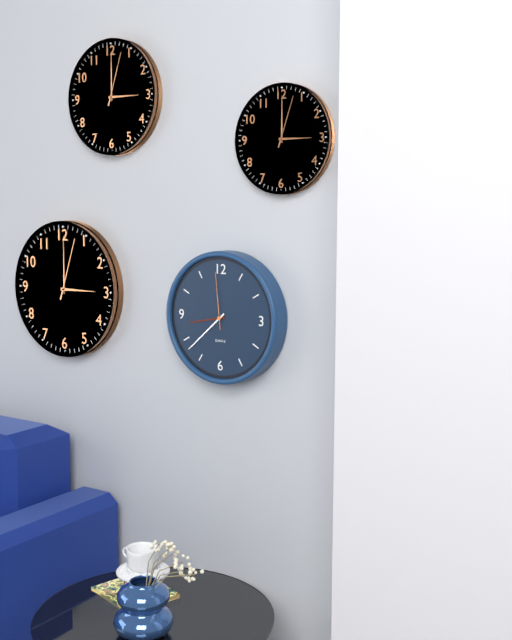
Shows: 8,38,59
